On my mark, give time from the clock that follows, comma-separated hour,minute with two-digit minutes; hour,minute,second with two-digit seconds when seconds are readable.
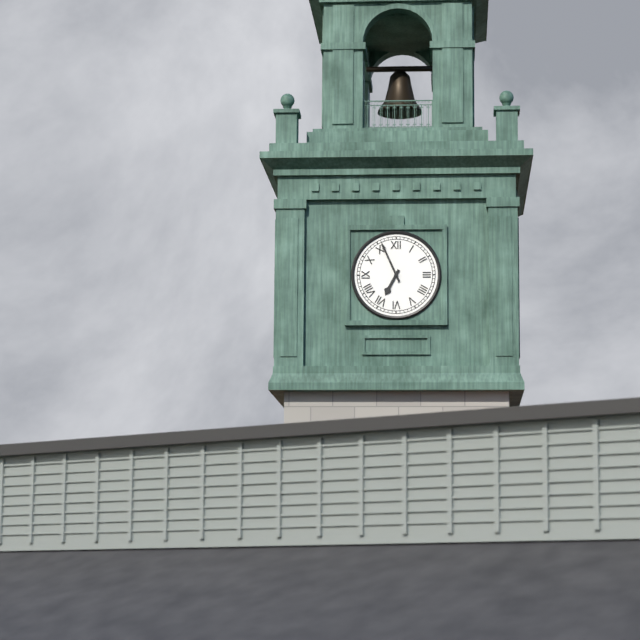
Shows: 6,56
